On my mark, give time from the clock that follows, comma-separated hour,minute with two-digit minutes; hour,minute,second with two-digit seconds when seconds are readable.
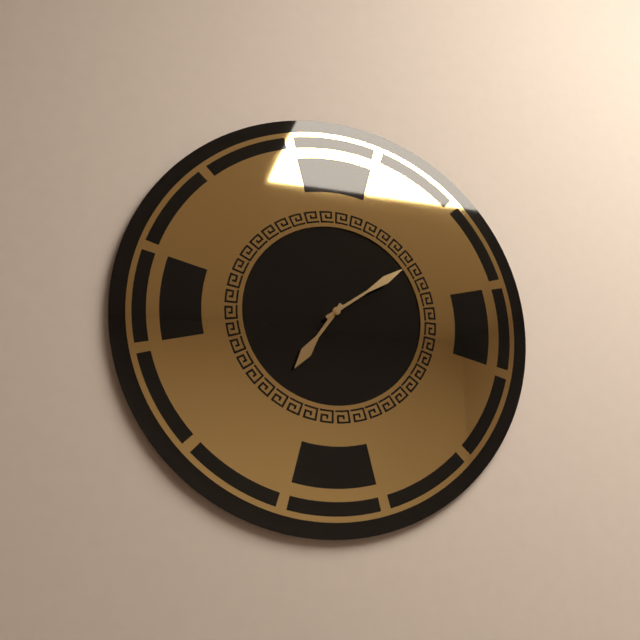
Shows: 7,09
